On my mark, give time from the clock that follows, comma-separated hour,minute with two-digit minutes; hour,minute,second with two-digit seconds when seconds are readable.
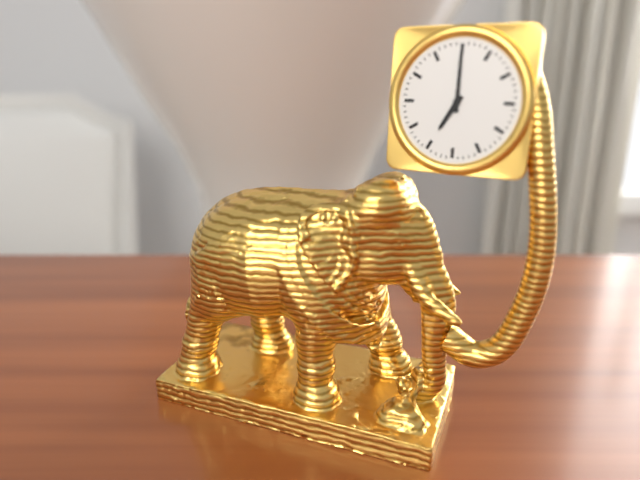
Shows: 7,00
